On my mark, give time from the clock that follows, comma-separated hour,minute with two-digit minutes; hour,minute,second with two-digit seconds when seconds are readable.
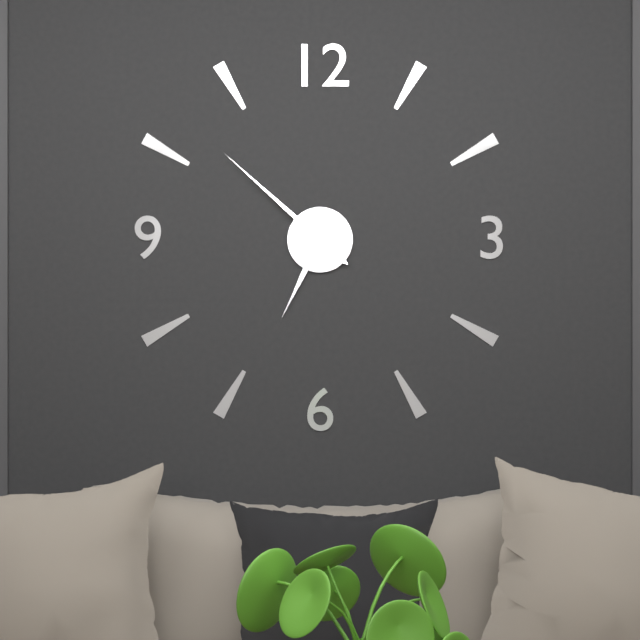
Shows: 6,52
